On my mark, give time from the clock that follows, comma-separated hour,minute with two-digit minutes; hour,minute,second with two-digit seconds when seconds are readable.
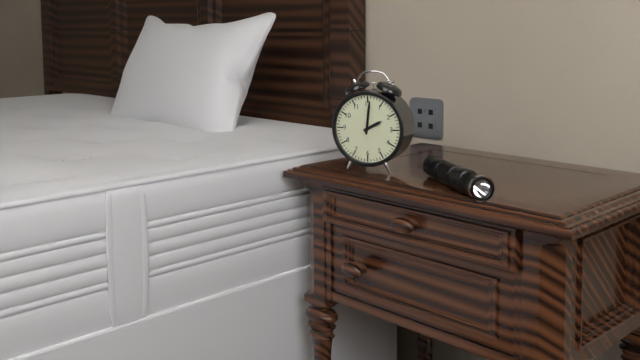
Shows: 2,01
